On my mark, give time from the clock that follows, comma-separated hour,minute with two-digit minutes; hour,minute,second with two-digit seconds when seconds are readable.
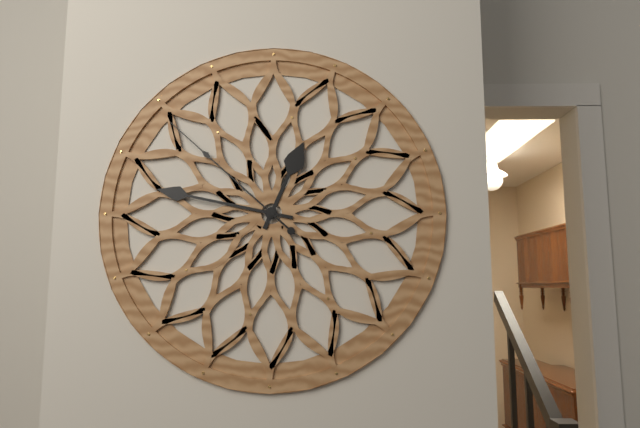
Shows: 12,47,52
